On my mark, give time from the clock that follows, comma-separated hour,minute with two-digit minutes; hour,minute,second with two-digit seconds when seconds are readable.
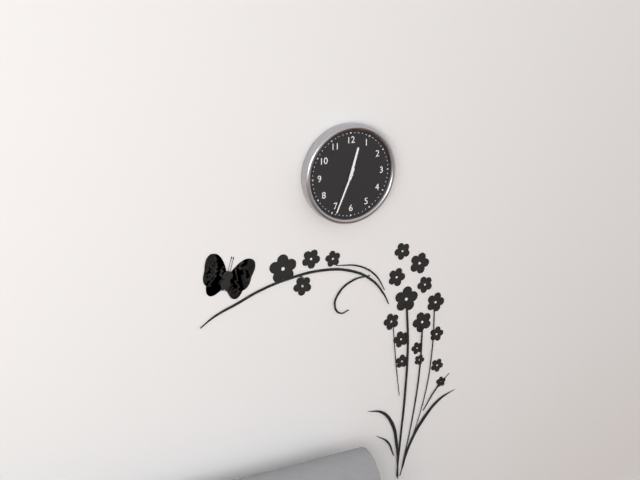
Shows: 12,34
